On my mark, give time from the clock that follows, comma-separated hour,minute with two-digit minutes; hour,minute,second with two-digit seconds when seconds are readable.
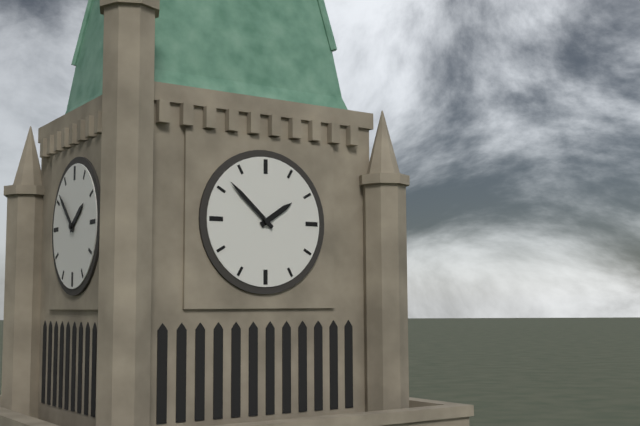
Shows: 1,52
